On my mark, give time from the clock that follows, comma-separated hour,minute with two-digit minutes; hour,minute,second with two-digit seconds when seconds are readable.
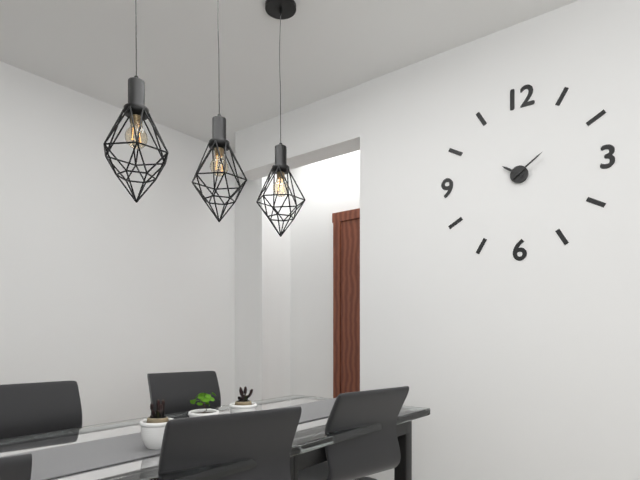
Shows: 10,09
